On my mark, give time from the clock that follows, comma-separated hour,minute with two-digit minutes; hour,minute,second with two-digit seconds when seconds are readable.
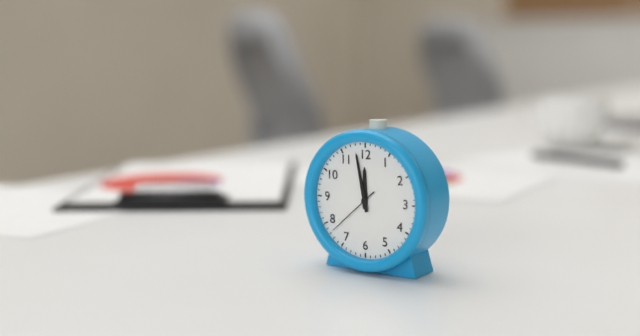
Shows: 11,58,38
